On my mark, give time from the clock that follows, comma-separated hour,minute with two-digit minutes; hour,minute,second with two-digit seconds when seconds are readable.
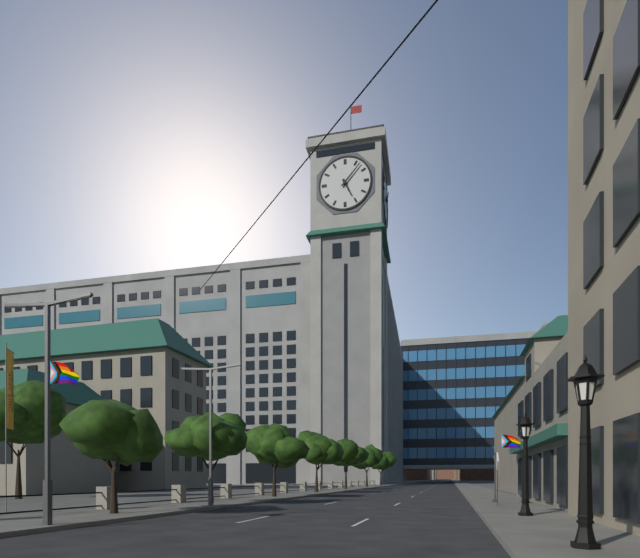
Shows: 5,07
